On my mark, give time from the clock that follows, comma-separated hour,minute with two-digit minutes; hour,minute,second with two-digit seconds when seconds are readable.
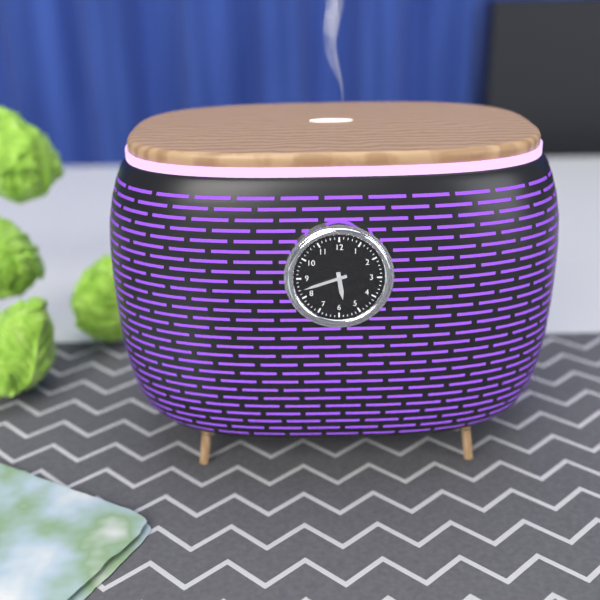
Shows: 5,42
